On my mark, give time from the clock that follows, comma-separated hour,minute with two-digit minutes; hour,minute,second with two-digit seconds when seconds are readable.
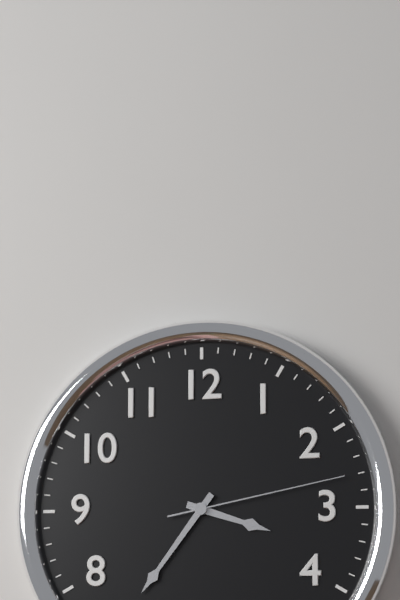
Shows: 3,36,13
